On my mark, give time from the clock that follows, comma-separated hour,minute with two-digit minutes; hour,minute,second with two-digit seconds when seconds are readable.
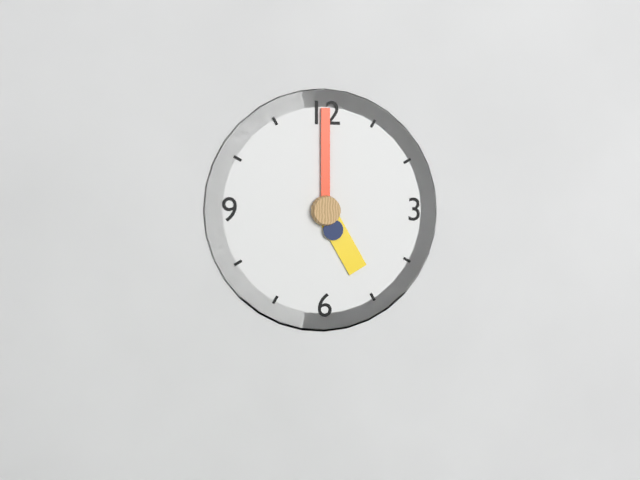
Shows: 5,00
